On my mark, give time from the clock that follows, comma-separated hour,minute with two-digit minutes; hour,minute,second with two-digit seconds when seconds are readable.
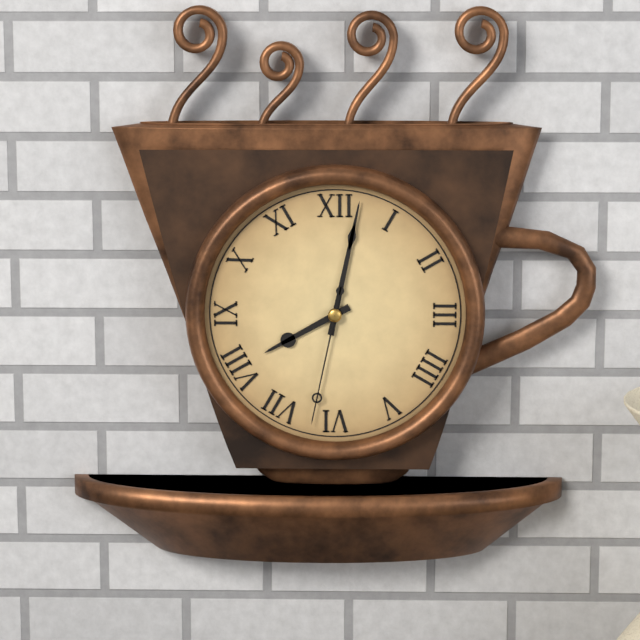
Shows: 8,02,32
